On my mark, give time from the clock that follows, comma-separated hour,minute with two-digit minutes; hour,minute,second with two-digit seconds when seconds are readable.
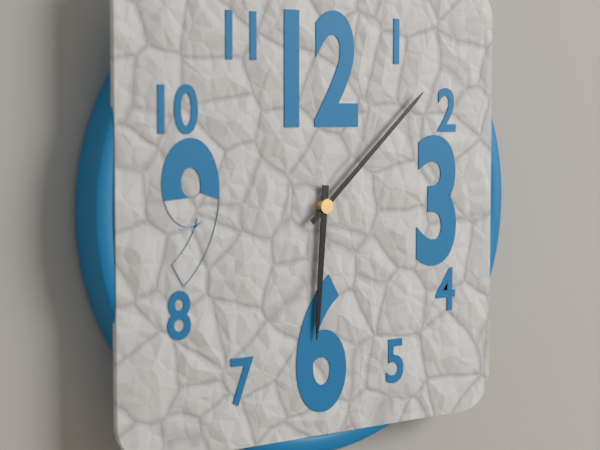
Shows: 6,08
